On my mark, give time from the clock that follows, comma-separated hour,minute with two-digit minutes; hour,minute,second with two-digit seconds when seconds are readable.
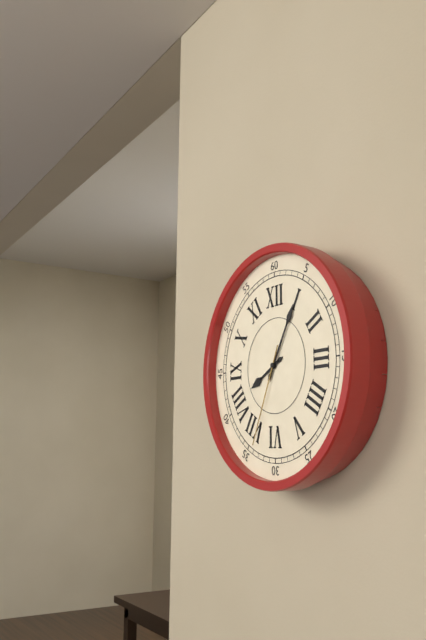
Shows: 8,05,34
